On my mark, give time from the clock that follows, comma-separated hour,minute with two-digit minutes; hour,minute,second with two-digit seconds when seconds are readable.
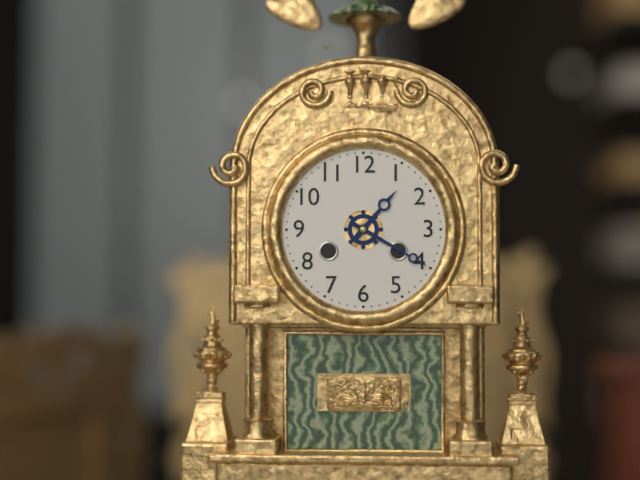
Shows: 1,20
